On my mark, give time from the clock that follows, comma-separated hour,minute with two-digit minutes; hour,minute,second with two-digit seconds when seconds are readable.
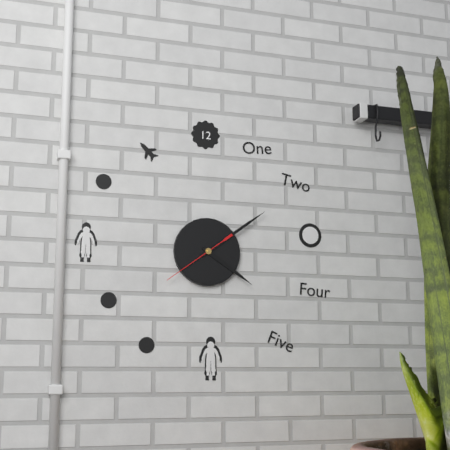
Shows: 4,09,39
